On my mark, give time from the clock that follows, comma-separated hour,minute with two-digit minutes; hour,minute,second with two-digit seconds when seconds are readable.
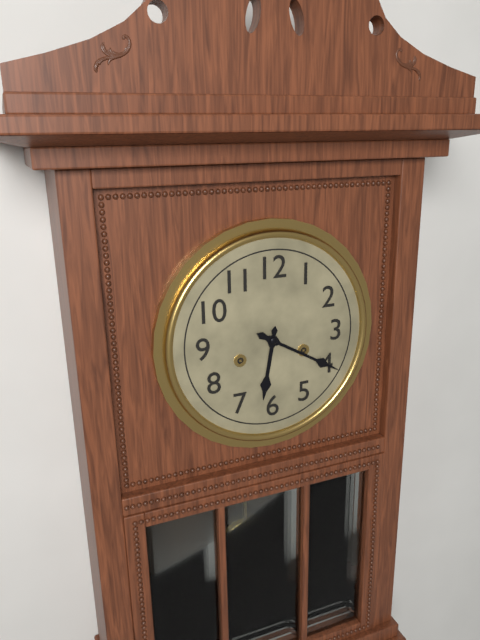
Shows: 6,20
